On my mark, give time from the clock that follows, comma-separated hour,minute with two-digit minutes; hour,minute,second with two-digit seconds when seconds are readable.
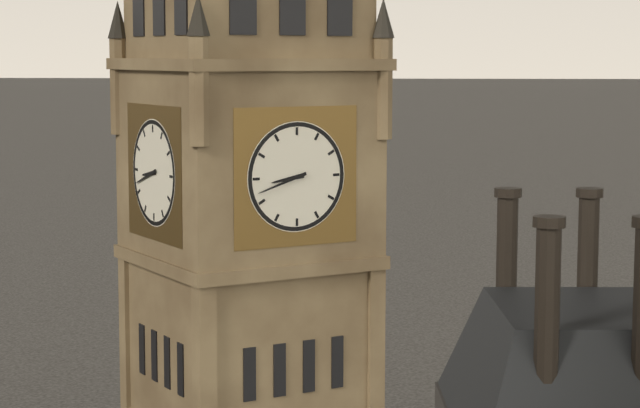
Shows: 8,42
